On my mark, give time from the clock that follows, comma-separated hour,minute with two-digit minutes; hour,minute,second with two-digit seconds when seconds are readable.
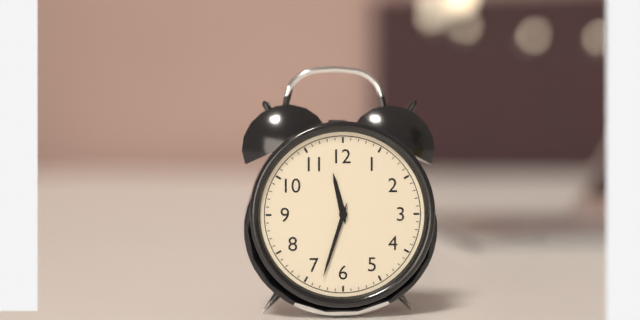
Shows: 11,33
